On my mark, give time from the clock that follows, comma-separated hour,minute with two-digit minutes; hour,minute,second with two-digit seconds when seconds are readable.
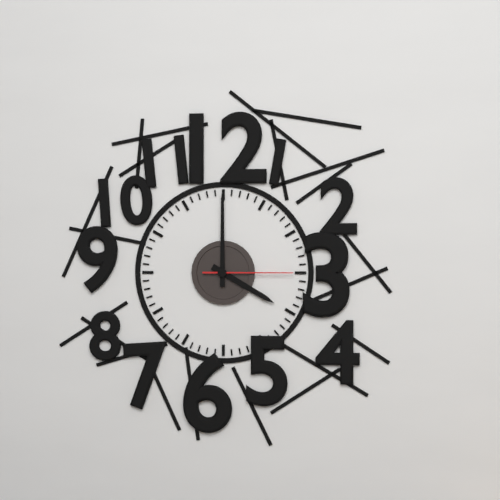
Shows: 4,00,15
